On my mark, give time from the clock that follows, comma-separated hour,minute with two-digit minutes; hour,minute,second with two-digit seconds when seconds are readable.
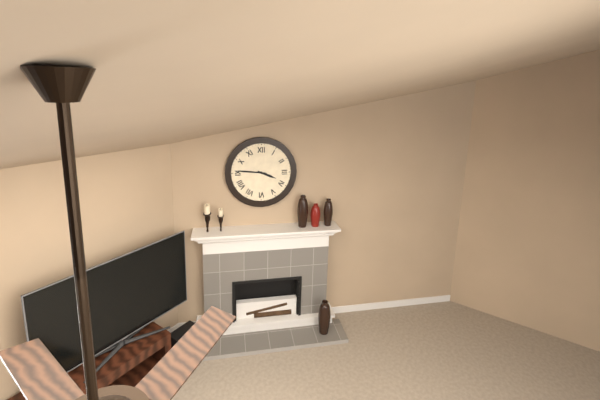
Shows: 3,46
